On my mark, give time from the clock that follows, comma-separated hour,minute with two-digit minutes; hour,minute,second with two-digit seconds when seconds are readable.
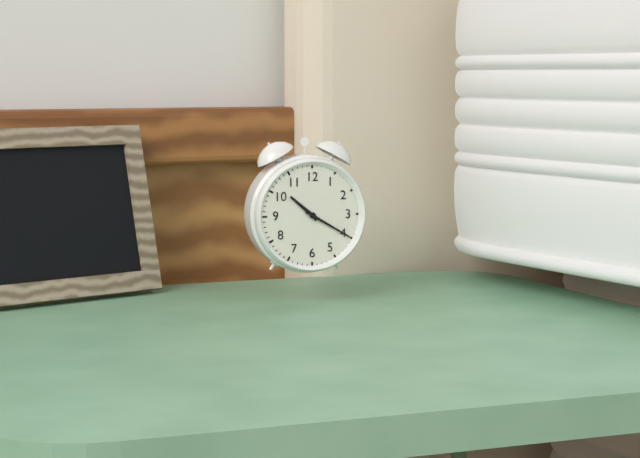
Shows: 10,20
